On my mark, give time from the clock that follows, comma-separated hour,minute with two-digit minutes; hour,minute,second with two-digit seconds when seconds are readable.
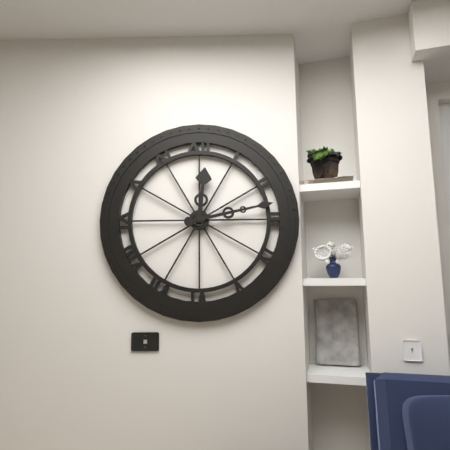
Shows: 12,13
